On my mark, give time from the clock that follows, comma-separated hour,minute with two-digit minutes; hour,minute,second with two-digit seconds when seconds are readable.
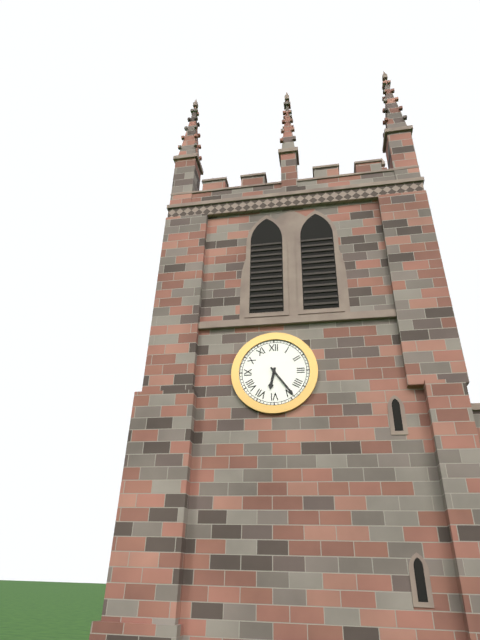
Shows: 6,24
